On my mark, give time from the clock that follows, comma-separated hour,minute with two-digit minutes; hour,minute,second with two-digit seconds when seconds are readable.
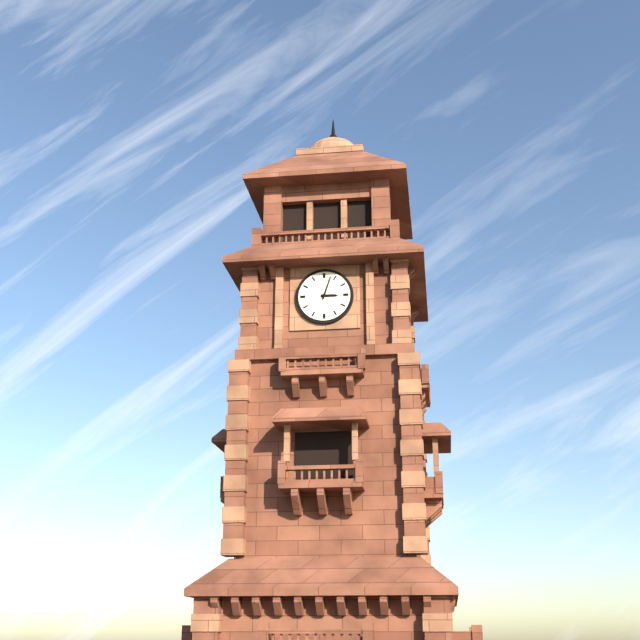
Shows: 3,03
